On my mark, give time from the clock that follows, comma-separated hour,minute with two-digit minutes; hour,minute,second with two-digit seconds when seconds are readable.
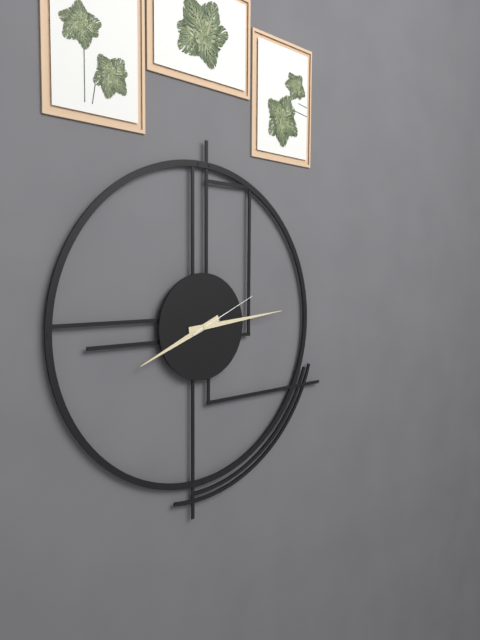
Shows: 8,14,11
